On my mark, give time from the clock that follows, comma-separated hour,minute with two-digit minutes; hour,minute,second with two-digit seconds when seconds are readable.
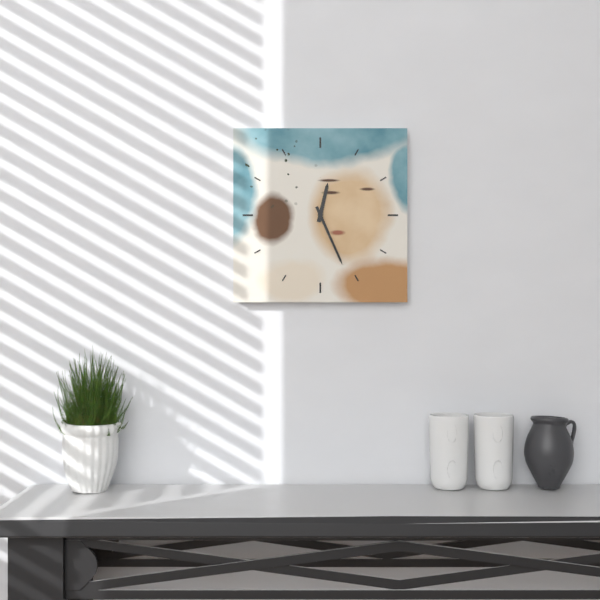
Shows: 12,26
